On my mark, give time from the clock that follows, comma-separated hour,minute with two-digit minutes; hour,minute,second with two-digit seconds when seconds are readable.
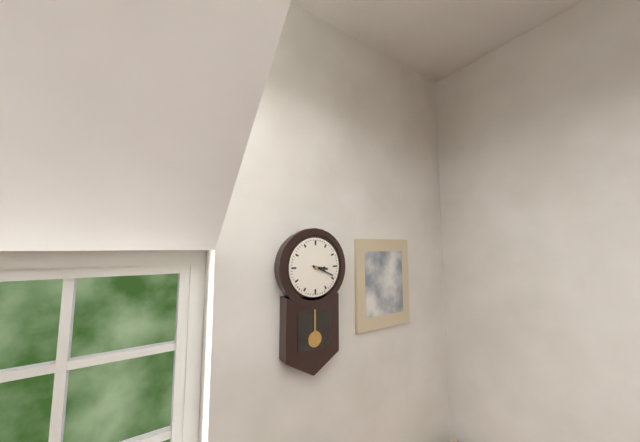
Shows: 3,19
